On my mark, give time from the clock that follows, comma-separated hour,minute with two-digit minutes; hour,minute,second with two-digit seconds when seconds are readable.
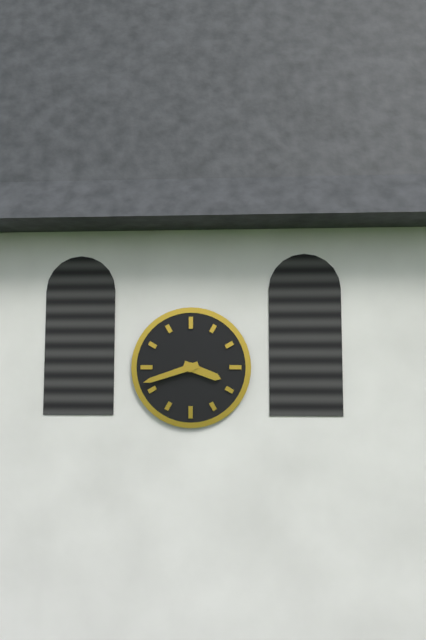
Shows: 3,42
